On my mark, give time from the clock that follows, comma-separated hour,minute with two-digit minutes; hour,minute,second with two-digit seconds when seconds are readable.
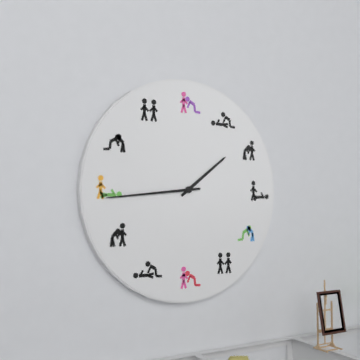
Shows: 1,44
